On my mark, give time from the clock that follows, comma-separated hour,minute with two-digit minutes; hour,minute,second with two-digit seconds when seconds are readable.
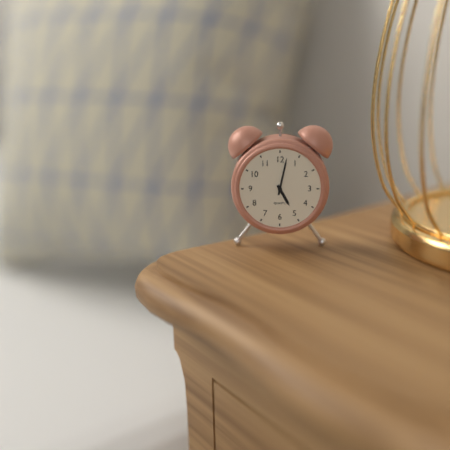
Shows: 5,02
